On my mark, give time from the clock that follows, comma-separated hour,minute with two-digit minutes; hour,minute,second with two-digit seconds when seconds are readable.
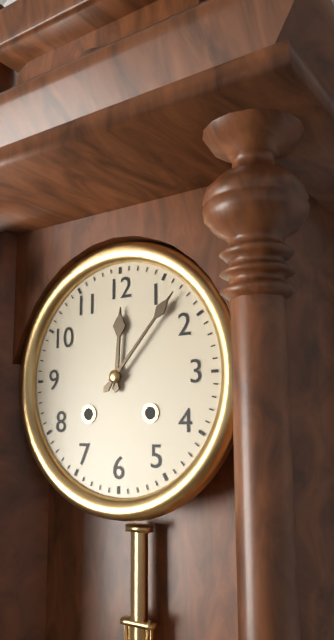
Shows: 12,07
